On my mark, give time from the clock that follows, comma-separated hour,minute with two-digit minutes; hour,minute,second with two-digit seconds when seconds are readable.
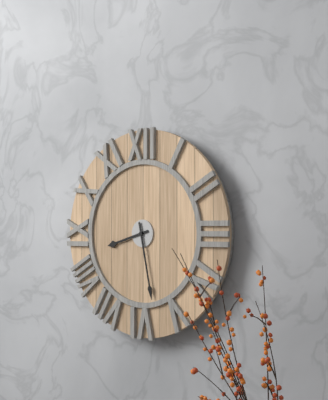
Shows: 8,28
